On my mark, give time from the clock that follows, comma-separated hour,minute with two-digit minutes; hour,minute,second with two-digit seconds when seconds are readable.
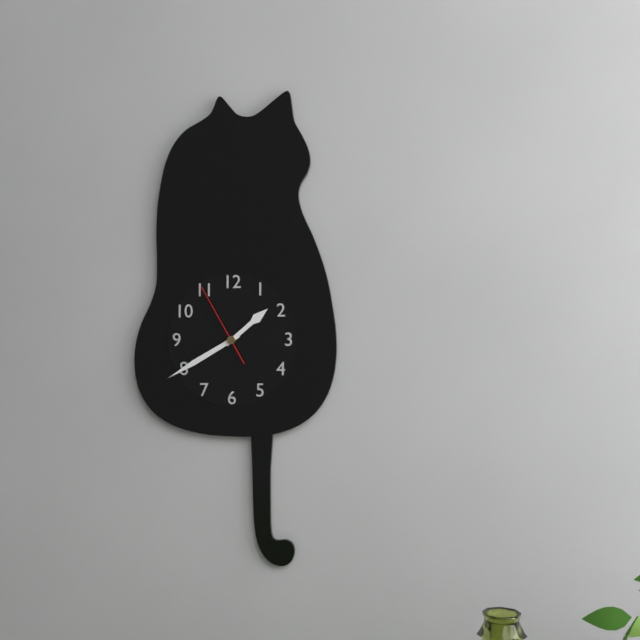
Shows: 1,40,55
